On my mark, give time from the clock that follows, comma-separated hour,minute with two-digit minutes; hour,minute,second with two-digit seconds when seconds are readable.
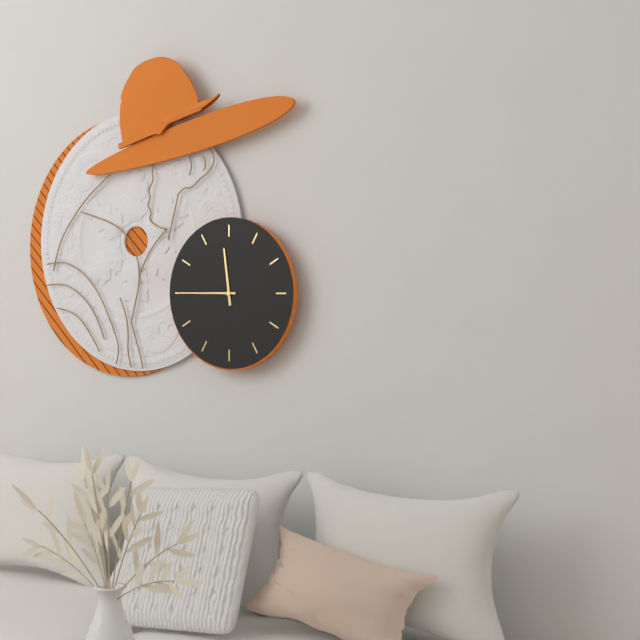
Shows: 11,45
